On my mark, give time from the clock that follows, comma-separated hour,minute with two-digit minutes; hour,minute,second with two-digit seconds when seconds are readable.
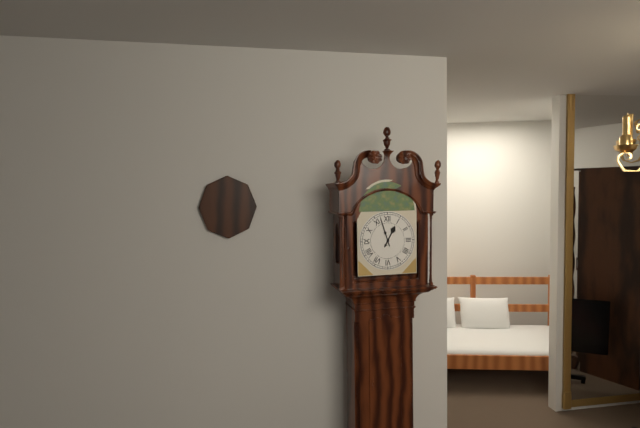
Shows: 12,57
